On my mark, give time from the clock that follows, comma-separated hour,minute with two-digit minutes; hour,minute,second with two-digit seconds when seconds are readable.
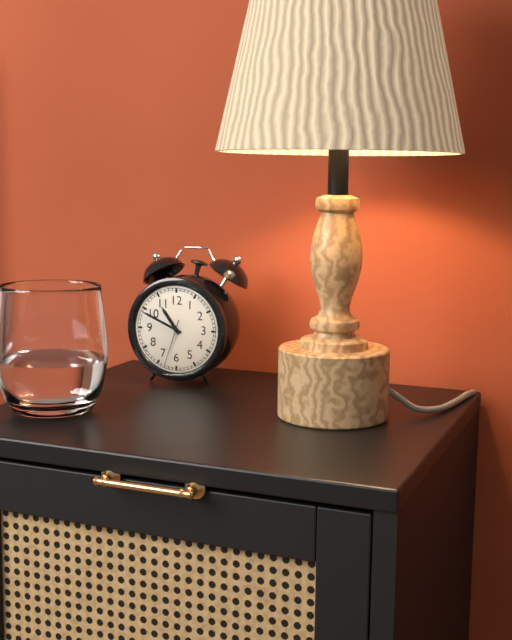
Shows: 10,49
